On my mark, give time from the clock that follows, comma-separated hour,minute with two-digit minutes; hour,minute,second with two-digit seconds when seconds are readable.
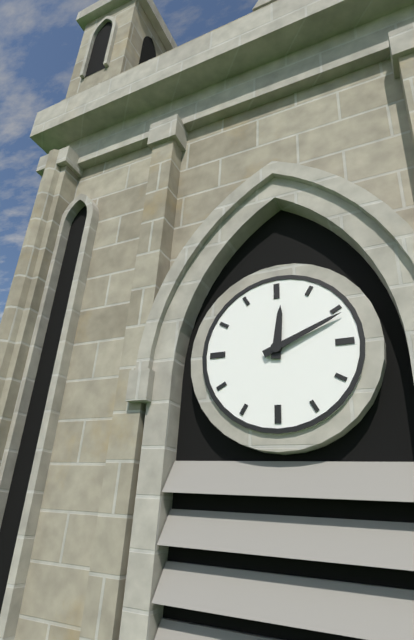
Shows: 12,11
